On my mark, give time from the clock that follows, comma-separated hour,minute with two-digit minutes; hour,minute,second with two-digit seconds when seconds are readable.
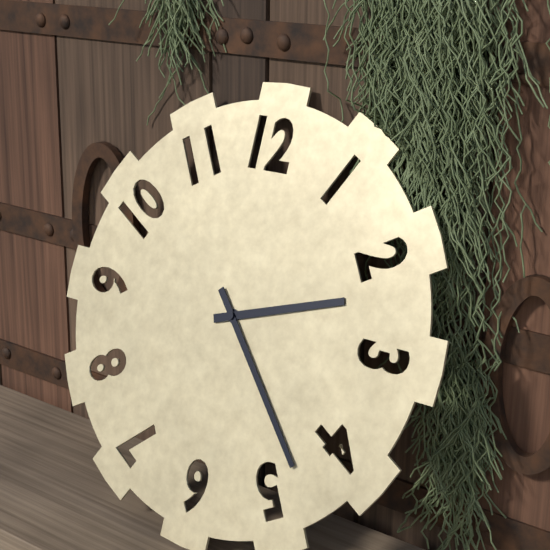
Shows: 2,23
